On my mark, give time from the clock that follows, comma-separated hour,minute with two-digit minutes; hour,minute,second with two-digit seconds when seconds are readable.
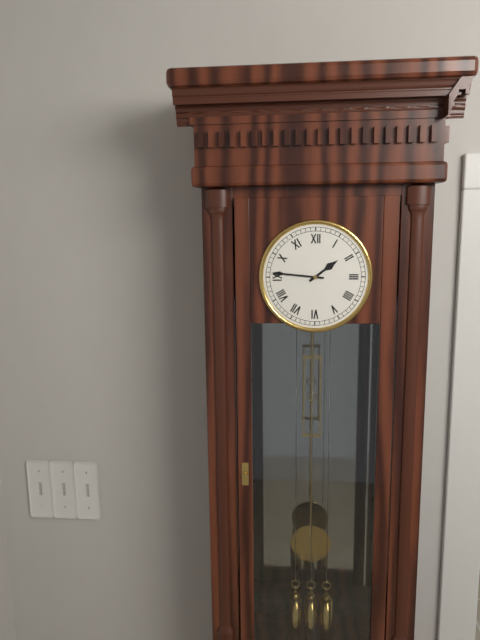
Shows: 1,46
